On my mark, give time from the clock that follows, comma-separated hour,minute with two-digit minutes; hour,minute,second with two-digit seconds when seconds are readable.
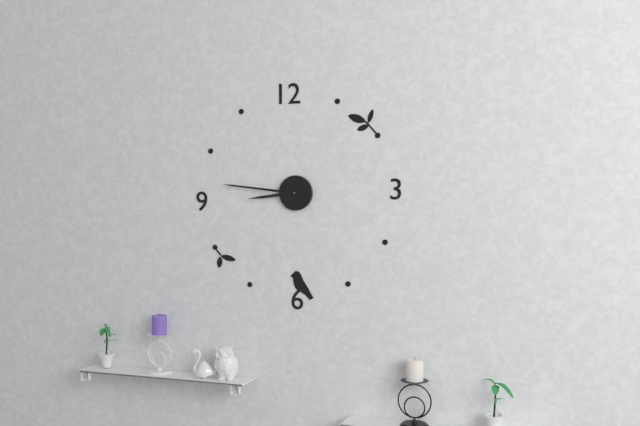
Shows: 8,46
